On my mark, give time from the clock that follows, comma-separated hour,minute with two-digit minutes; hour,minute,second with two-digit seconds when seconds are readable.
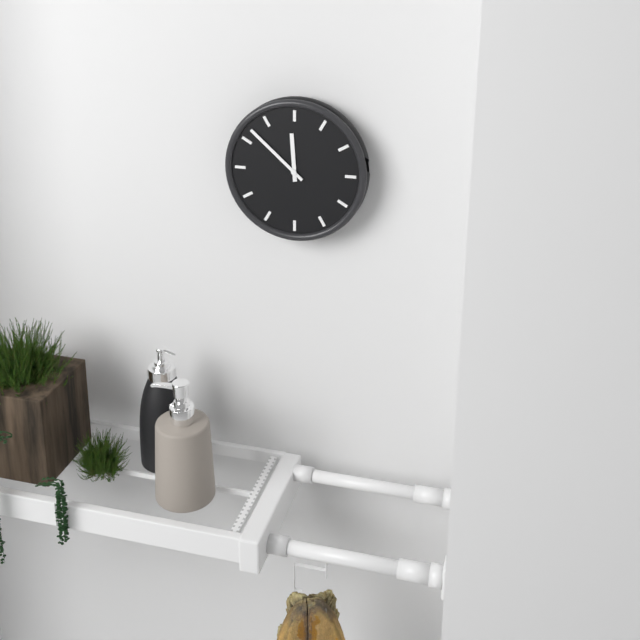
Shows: 11,52
